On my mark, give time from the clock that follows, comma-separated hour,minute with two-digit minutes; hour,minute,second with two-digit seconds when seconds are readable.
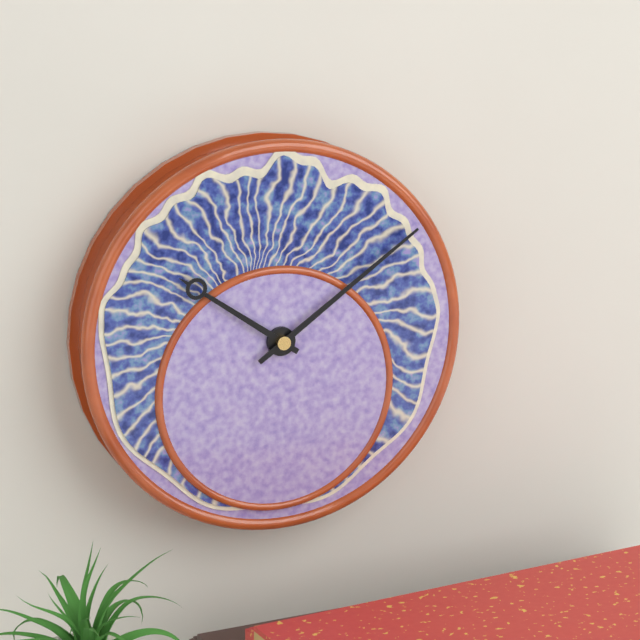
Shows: 10,09
